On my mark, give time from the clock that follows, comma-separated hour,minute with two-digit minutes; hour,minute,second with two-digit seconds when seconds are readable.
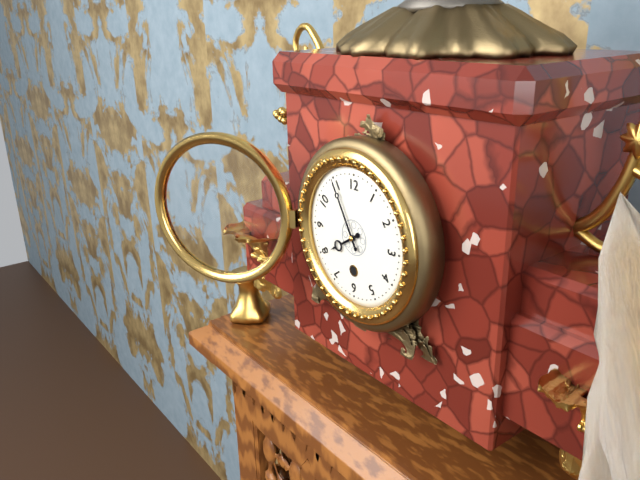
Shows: 7,55
